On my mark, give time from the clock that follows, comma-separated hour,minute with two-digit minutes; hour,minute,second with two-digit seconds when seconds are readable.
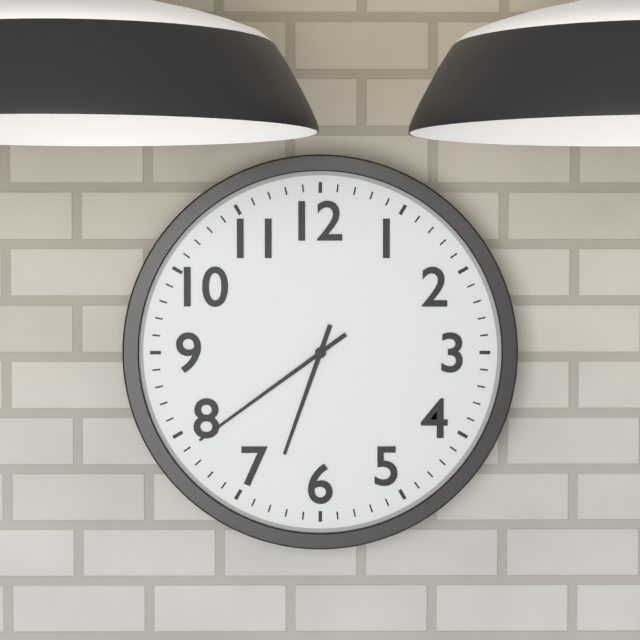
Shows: 6,39
